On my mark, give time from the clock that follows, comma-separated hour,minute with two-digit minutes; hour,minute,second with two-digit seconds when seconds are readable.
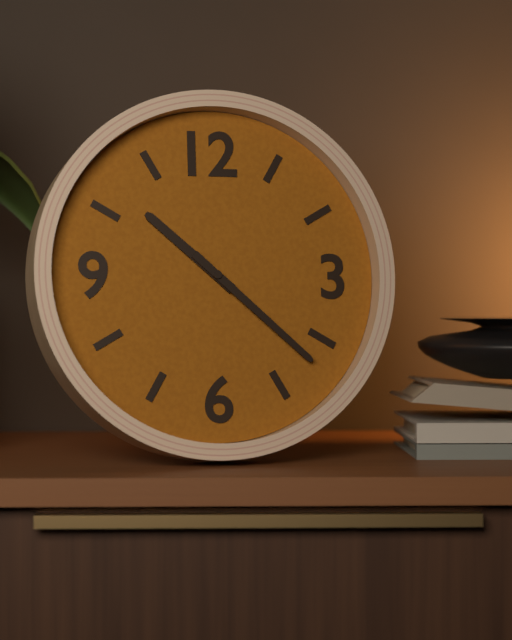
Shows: 10,22
